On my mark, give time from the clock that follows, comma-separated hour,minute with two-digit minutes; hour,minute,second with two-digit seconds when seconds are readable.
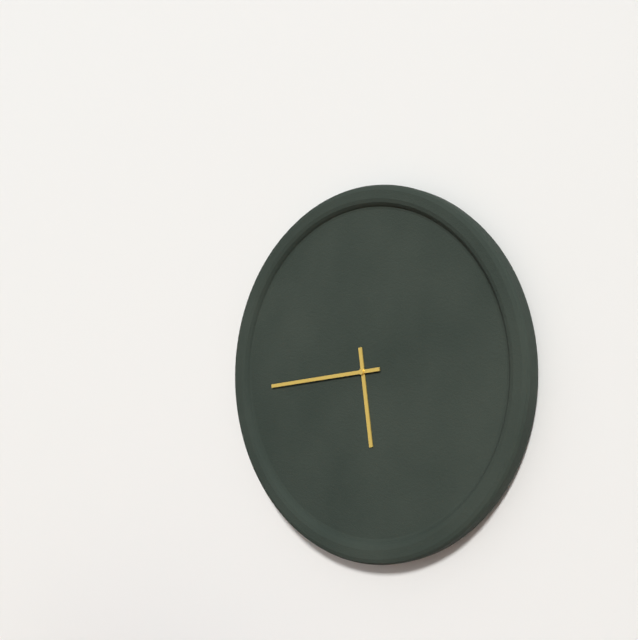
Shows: 5,44
